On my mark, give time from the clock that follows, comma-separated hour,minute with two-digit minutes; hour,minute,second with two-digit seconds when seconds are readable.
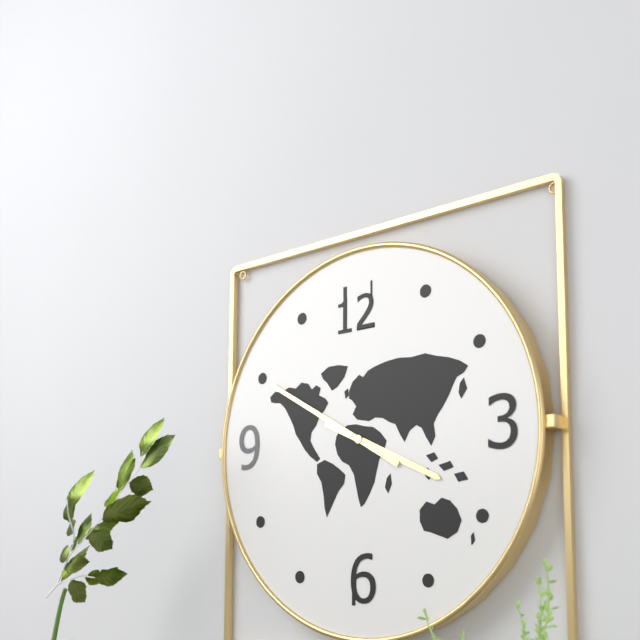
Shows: 3,50
